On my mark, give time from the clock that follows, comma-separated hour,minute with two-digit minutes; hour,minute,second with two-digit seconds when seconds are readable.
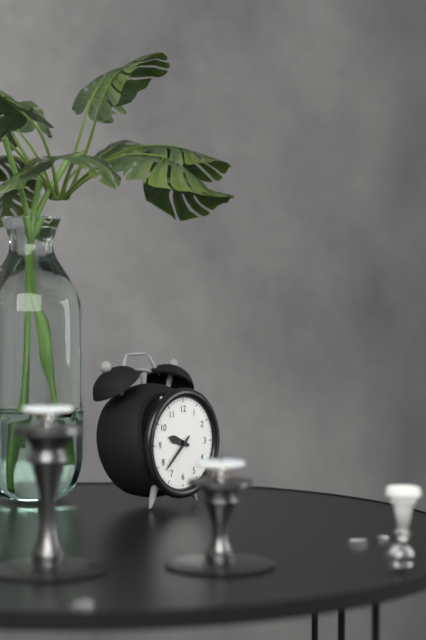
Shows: 9,38
